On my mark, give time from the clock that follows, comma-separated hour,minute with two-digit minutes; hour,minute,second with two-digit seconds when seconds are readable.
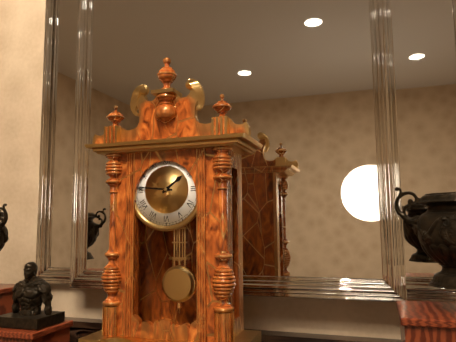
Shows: 1,46
